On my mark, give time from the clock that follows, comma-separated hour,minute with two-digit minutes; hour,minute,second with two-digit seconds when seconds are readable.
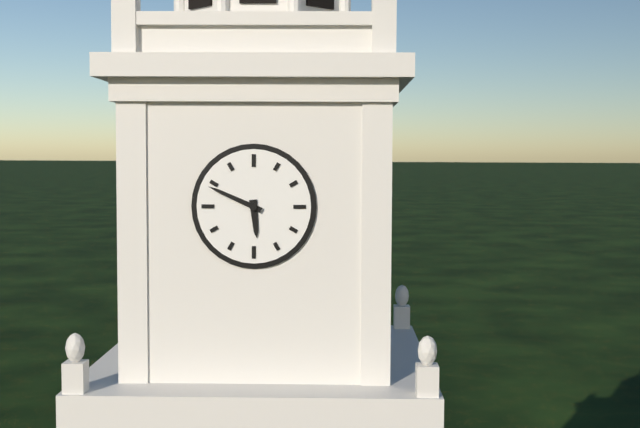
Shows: 5,49
